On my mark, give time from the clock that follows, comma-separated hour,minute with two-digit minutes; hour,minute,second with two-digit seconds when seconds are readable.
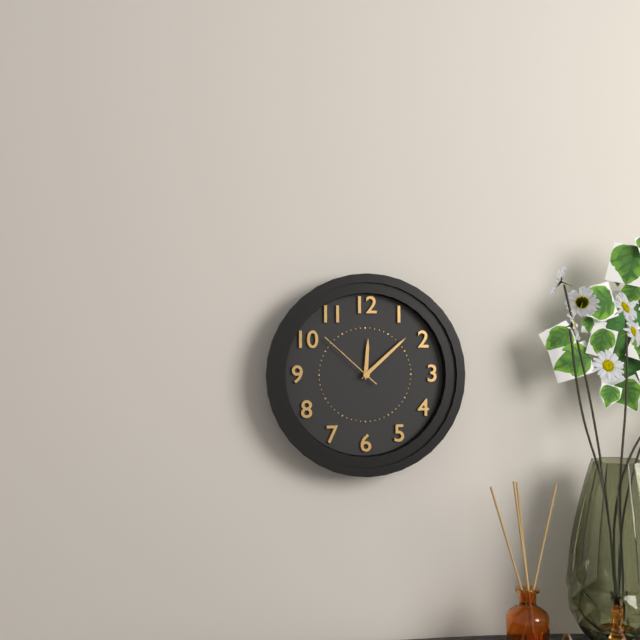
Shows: 12,08,52
